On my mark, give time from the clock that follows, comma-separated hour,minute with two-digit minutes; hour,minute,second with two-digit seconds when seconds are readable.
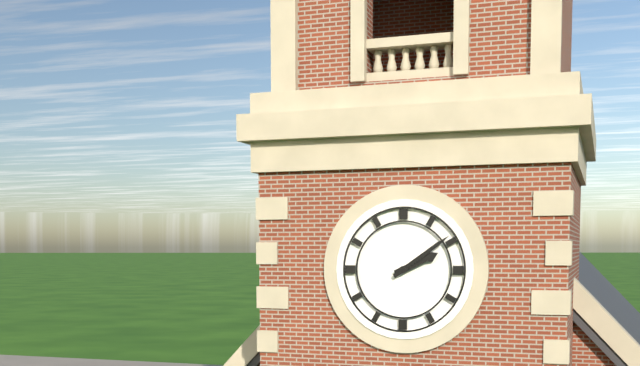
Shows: 2,09
